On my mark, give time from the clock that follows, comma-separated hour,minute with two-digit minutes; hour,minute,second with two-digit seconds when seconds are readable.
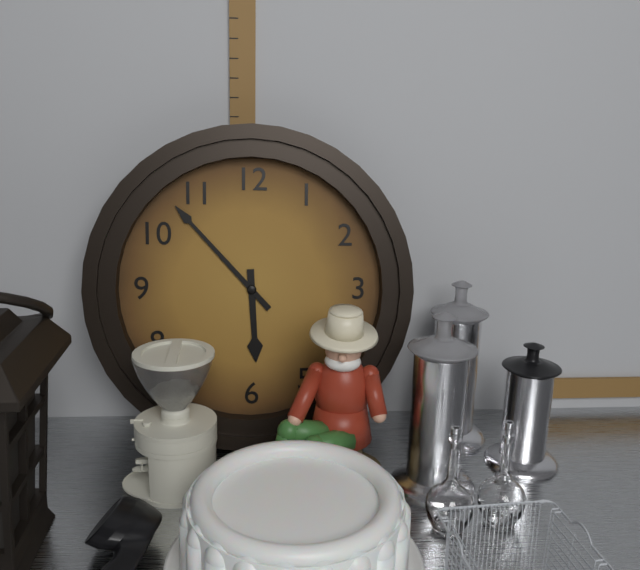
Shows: 5,53
